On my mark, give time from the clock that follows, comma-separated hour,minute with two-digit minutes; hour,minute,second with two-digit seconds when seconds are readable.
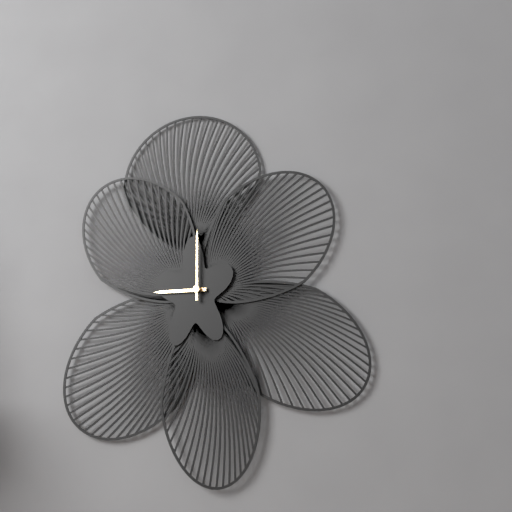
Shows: 9,00
